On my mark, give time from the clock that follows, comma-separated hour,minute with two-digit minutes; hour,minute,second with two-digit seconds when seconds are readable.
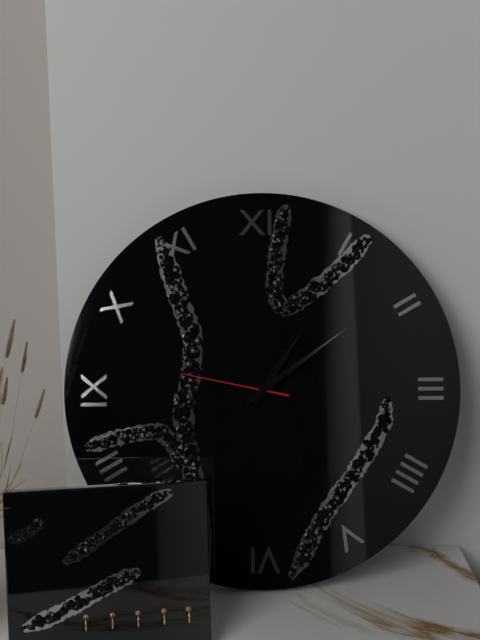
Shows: 1,09,47
